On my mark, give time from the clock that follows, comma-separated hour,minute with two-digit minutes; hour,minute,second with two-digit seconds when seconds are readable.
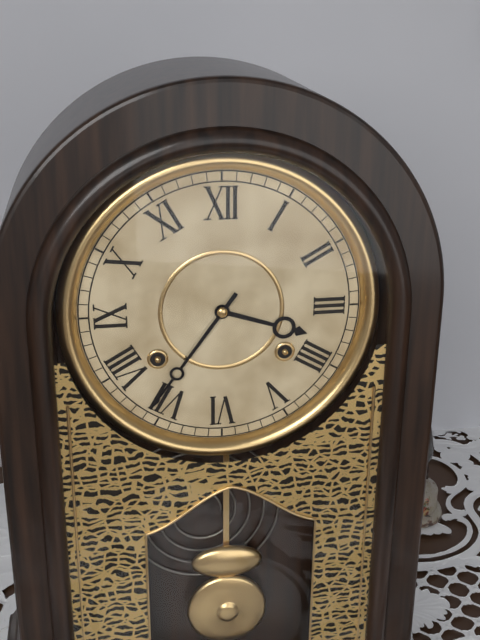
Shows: 3,36
